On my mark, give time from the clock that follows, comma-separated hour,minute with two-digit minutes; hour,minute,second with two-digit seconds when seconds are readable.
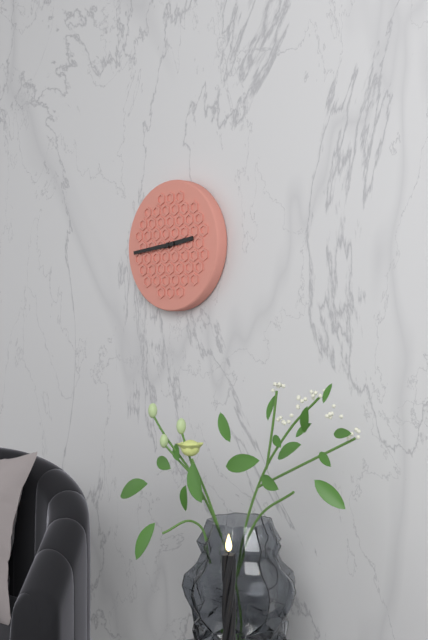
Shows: 2,44
